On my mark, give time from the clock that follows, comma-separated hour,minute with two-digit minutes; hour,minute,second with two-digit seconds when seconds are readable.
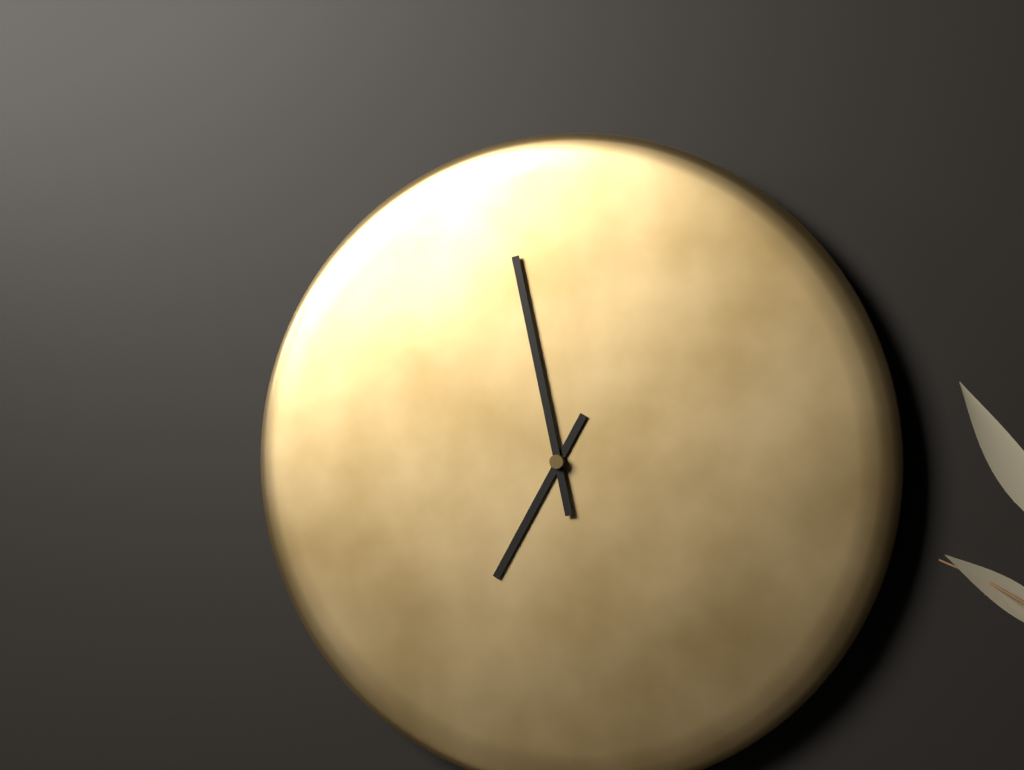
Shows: 6,58
